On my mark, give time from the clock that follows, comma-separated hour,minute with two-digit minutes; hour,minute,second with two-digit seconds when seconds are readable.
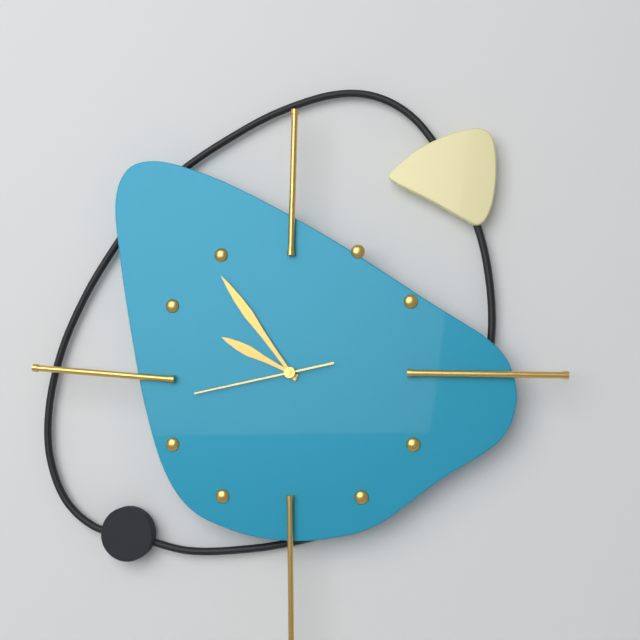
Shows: 9,54,43
